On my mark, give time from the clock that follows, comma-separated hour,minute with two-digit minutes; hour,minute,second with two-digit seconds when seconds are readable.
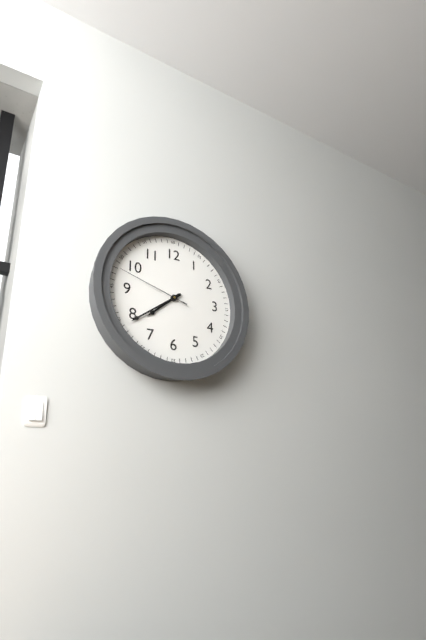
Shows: 7,39,48
